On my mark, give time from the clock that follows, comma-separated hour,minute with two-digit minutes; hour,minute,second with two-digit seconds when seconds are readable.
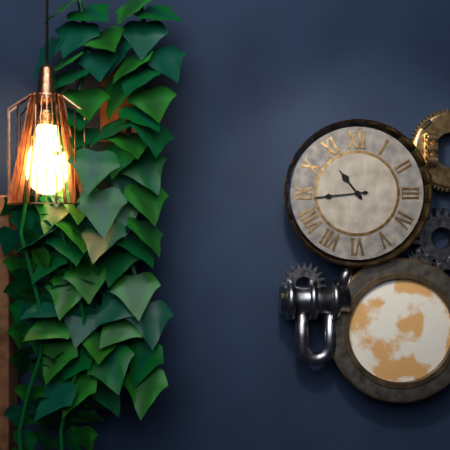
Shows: 10,44
